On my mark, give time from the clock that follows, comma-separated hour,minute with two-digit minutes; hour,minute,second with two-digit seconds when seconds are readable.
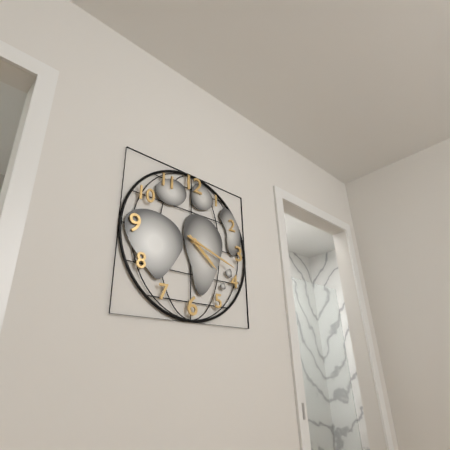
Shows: 4,18
